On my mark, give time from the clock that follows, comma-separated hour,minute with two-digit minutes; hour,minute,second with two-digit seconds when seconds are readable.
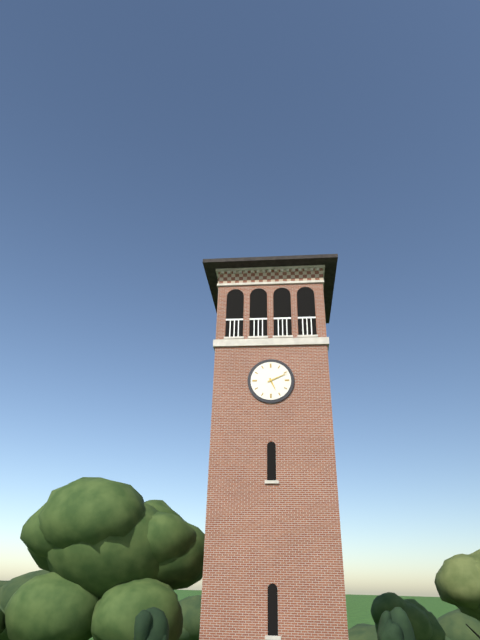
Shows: 5,11
